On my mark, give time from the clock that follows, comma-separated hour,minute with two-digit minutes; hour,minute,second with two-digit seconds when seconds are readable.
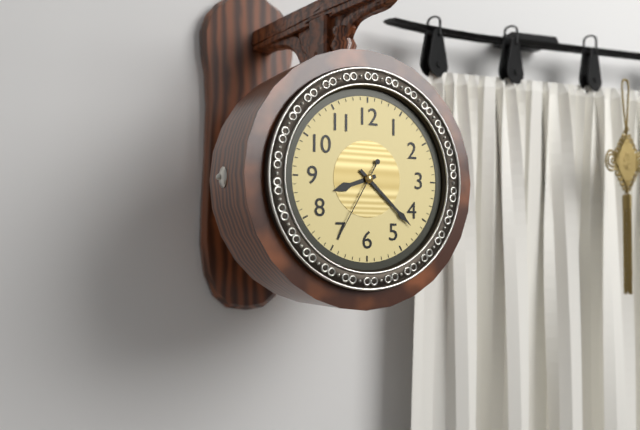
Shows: 8,22,35
